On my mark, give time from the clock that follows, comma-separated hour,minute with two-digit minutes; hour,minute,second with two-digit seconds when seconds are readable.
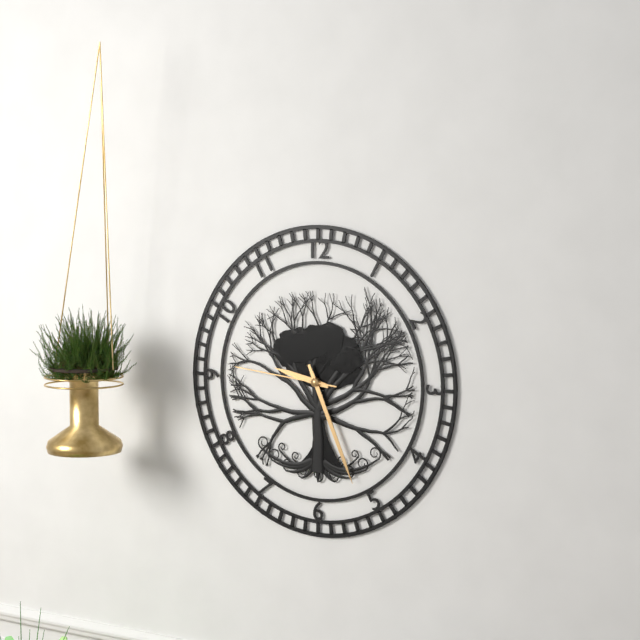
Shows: 9,26,46
